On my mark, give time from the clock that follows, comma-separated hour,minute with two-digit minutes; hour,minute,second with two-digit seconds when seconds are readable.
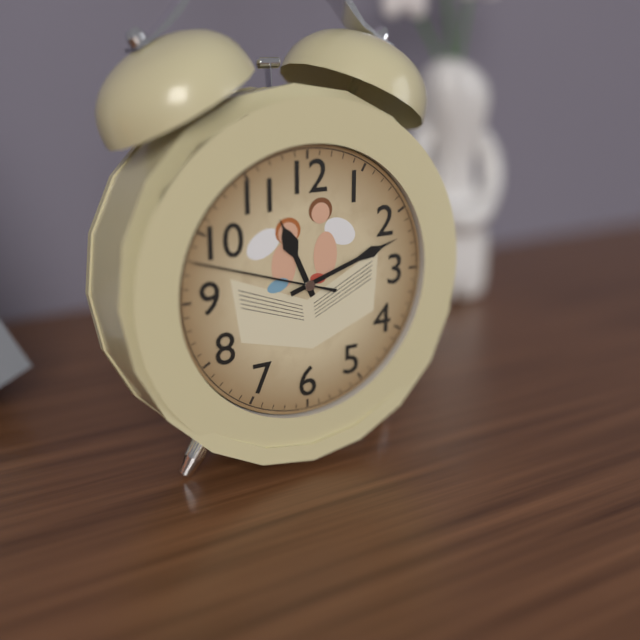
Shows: 11,12,48
